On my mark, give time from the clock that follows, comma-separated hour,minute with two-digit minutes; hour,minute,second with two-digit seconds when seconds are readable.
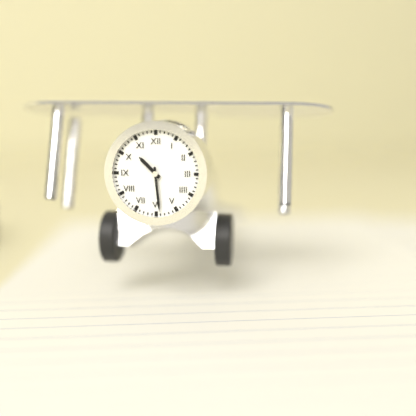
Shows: 10,29
